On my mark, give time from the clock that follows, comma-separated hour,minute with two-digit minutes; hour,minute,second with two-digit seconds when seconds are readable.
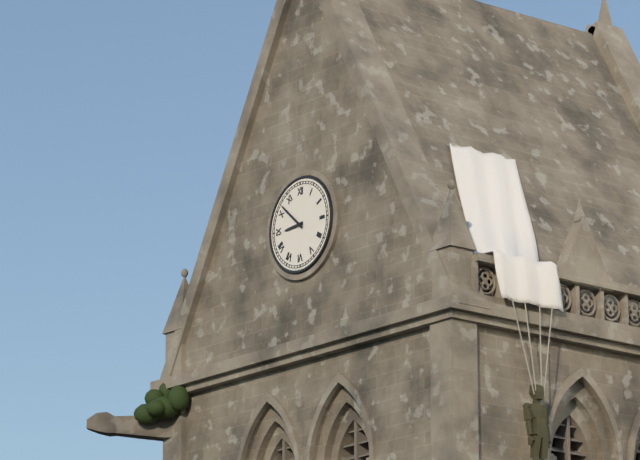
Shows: 8,52
